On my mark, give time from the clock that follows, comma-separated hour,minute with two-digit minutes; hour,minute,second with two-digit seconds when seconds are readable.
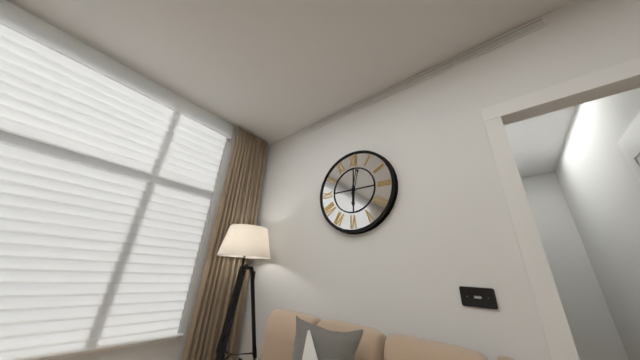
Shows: 6,02
